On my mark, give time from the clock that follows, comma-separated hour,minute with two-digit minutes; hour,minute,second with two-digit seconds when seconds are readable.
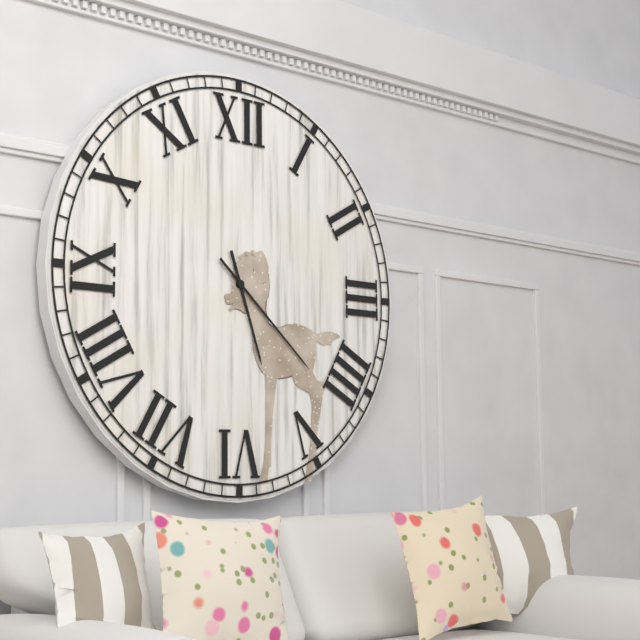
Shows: 5,22
